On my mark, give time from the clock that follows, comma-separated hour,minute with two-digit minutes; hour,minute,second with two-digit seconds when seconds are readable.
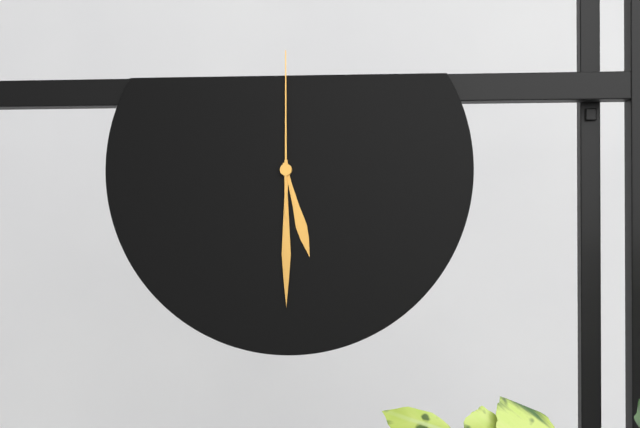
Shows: 5,30,00
